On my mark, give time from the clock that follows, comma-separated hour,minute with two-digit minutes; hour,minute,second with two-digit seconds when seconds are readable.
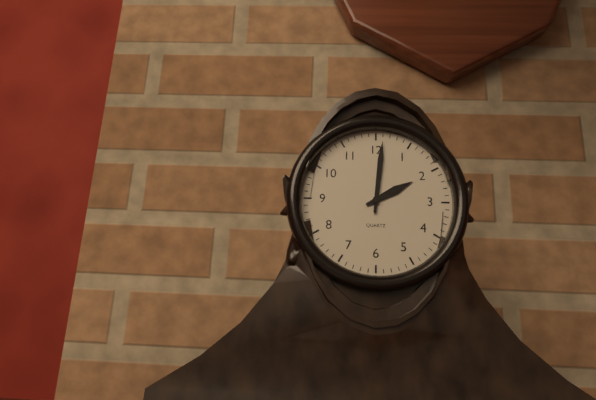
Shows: 2,01
